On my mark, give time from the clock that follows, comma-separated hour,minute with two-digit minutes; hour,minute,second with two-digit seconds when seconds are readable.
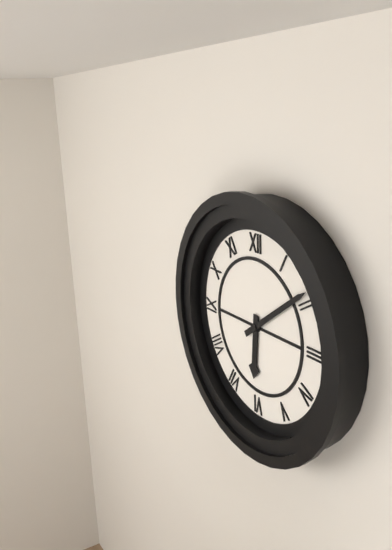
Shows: 6,09
